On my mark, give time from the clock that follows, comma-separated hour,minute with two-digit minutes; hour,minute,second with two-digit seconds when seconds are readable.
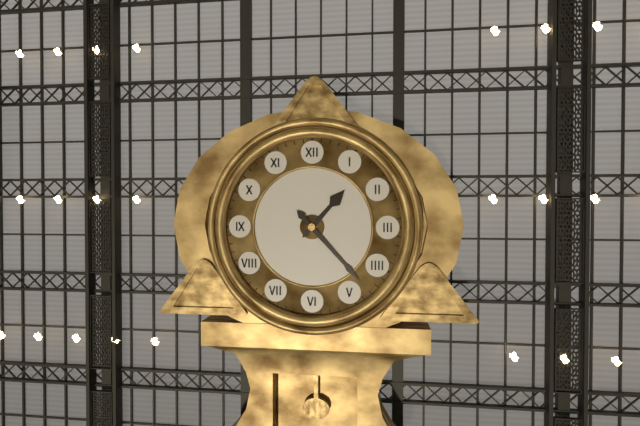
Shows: 1,23
